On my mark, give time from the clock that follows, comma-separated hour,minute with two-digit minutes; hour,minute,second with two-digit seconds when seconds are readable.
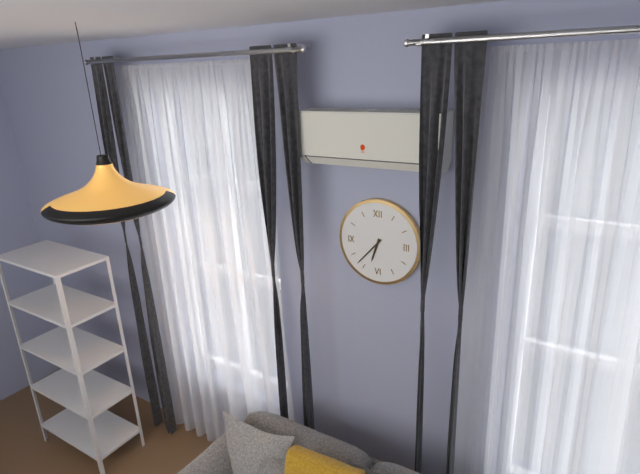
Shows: 6,37
